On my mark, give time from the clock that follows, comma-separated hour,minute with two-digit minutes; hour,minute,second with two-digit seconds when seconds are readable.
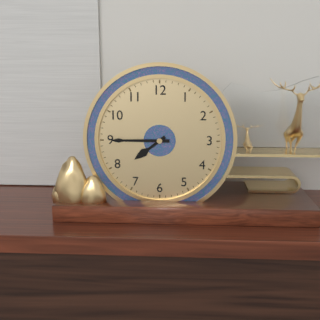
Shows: 7,45
